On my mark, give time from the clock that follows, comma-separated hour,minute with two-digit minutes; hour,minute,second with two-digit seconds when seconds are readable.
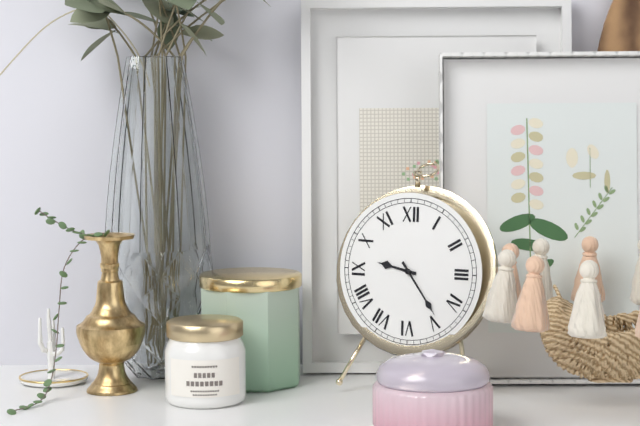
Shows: 9,24
